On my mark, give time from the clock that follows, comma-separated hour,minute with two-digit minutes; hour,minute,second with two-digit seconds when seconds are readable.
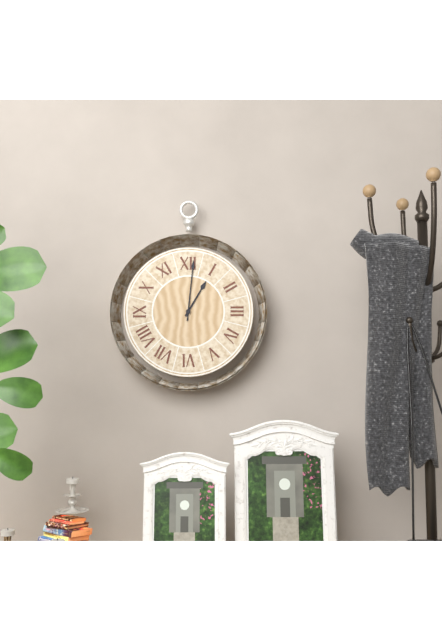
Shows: 1,01
